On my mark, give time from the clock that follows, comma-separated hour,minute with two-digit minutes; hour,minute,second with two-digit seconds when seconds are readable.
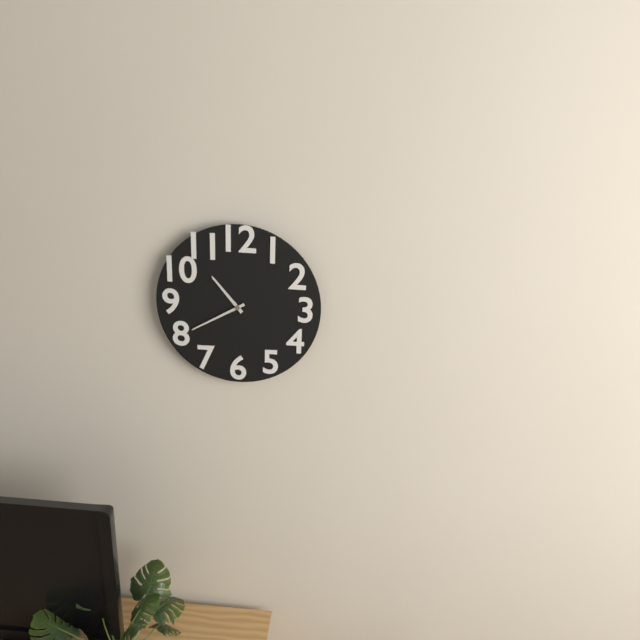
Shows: 10,40
